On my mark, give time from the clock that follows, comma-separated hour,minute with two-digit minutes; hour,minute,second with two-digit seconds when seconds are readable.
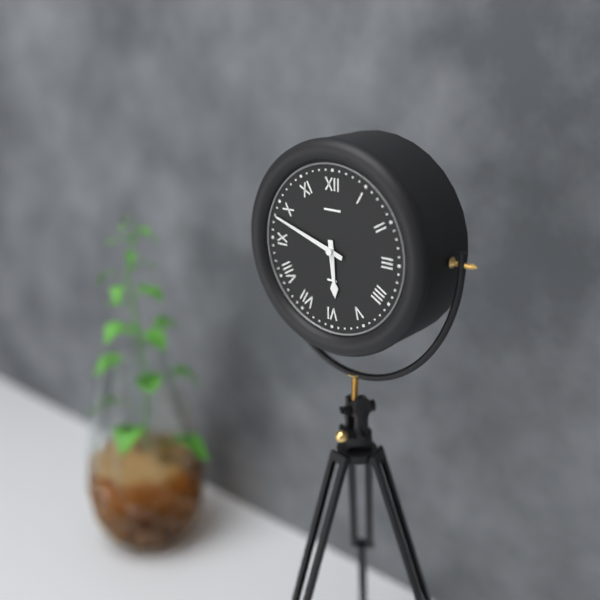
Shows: 5,48
